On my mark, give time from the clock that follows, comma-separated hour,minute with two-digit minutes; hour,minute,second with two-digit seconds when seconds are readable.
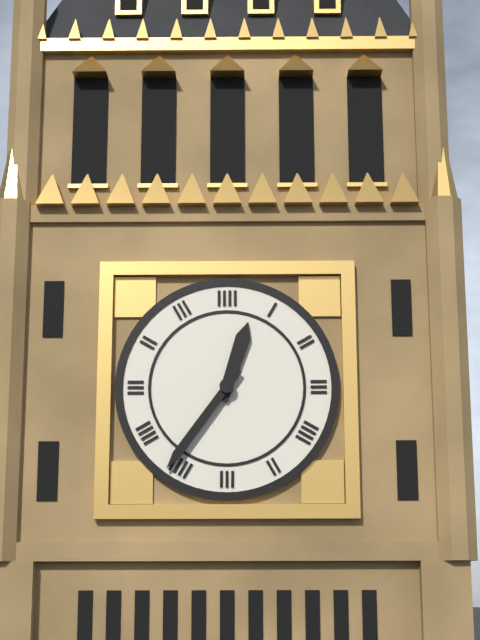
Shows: 12,36
